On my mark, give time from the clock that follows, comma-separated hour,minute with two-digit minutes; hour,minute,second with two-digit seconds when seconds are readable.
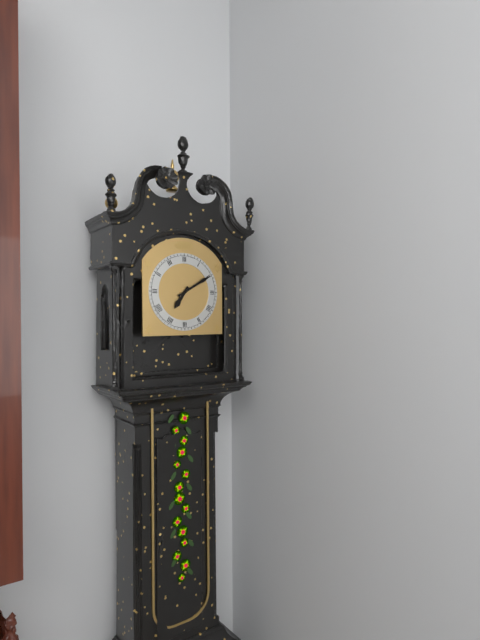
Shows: 7,10
